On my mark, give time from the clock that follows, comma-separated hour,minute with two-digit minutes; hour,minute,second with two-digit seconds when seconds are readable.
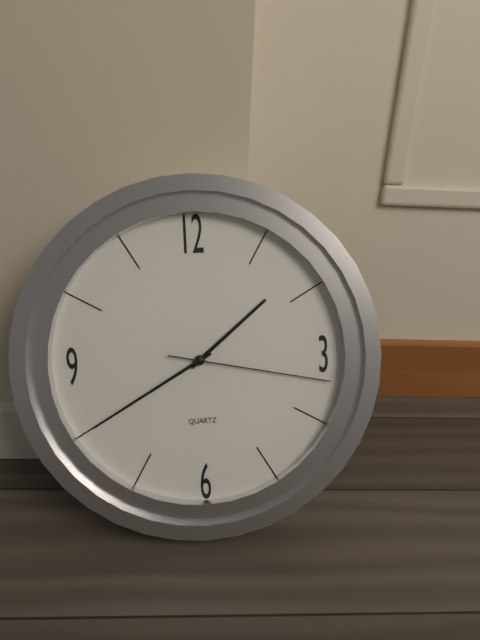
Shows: 1,40,17
